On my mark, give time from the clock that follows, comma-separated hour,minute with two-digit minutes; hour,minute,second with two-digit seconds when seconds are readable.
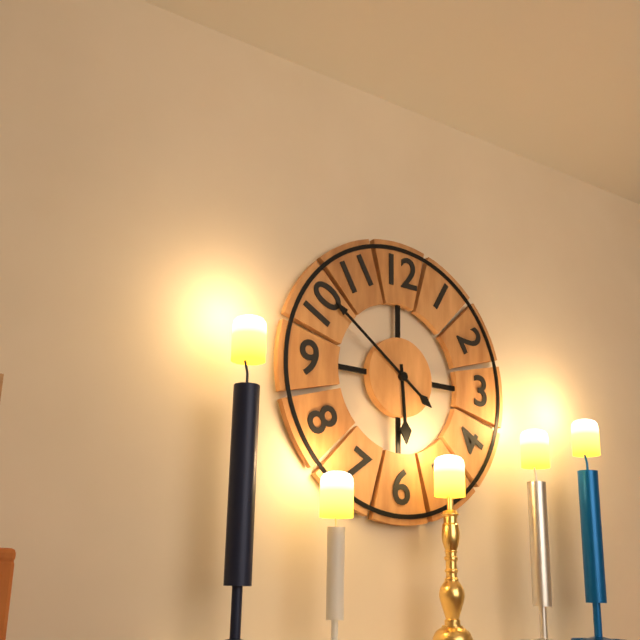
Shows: 5,51
